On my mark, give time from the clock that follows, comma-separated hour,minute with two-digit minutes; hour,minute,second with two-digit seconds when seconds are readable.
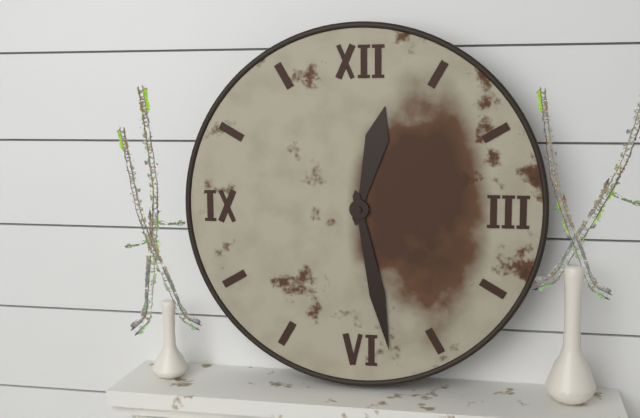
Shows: 12,28
